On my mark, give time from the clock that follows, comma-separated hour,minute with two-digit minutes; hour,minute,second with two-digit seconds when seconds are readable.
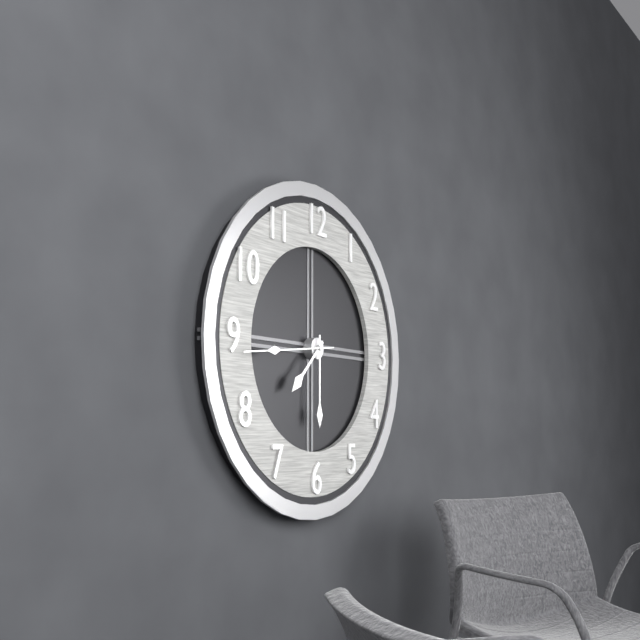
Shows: 7,30,44
